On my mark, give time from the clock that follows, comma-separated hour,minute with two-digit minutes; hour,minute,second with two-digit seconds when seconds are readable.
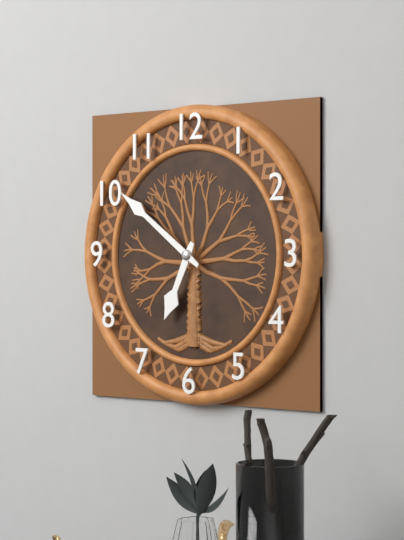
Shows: 6,51
